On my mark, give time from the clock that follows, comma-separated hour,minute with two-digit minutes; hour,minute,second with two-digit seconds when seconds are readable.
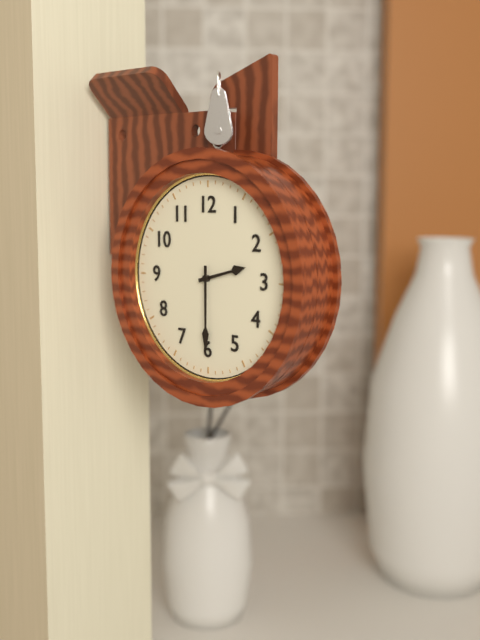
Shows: 2,30
